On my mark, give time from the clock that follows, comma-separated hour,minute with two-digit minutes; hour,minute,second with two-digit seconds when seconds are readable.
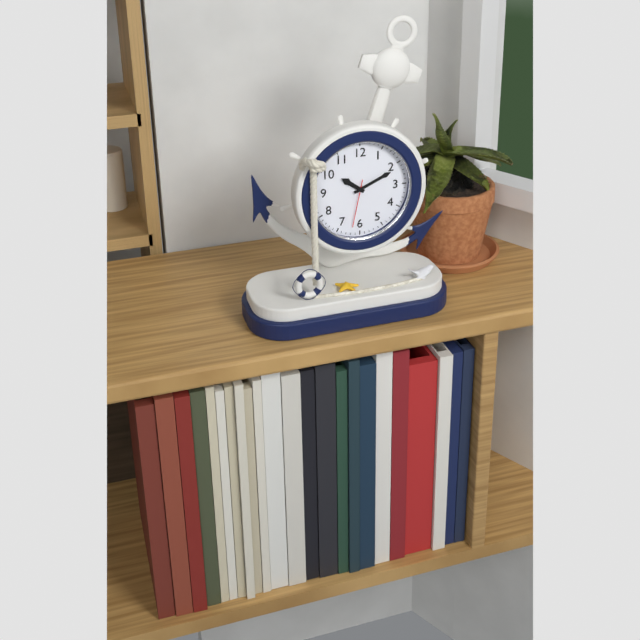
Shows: 10,11
